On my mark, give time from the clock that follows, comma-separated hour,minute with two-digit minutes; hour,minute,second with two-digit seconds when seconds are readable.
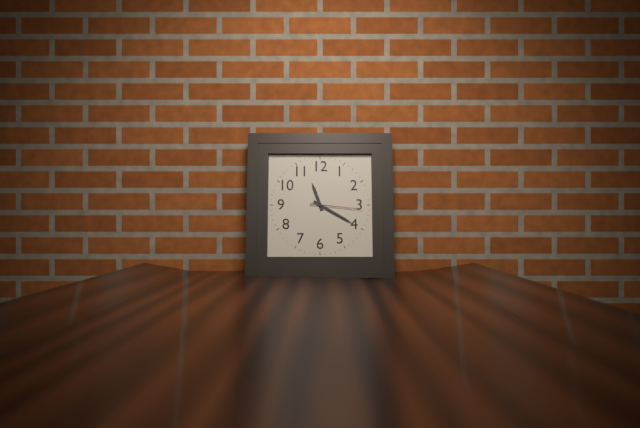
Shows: 11,20,16
